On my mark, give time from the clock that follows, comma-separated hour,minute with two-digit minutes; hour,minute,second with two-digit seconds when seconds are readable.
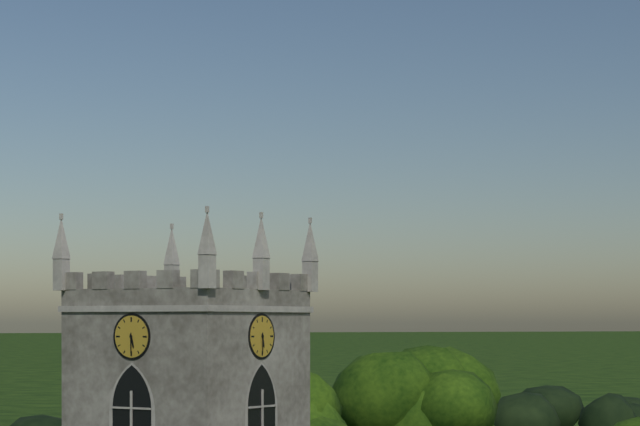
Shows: 5,30
